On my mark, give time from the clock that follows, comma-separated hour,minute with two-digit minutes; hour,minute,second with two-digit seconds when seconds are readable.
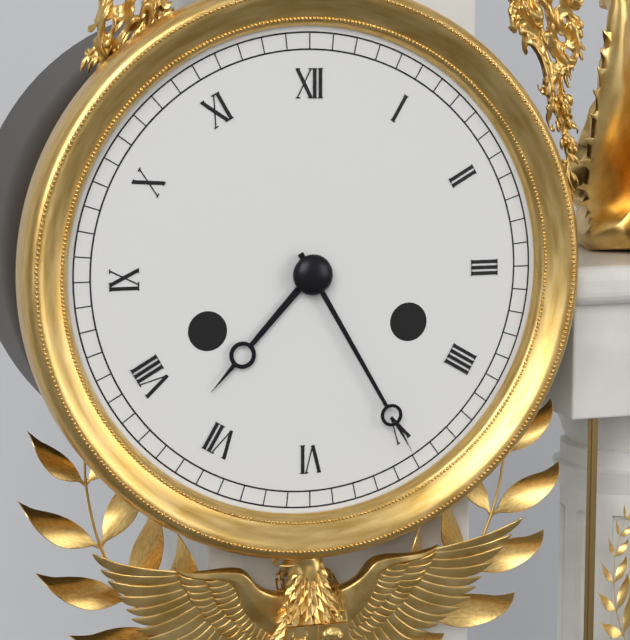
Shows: 7,25
